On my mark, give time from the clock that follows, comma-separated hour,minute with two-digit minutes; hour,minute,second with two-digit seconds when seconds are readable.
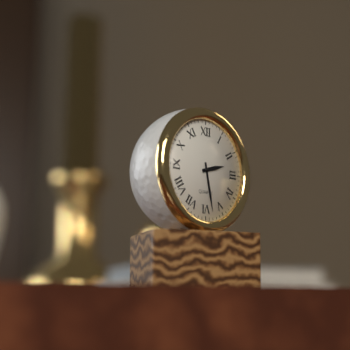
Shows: 2,28
